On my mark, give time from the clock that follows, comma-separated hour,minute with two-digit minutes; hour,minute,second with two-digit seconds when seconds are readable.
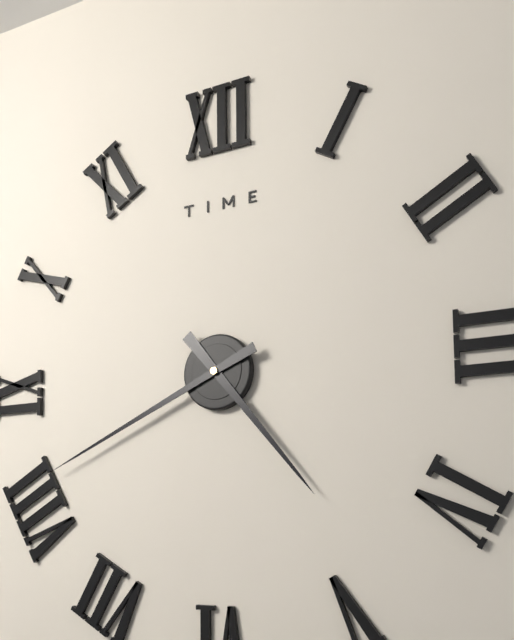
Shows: 4,41
